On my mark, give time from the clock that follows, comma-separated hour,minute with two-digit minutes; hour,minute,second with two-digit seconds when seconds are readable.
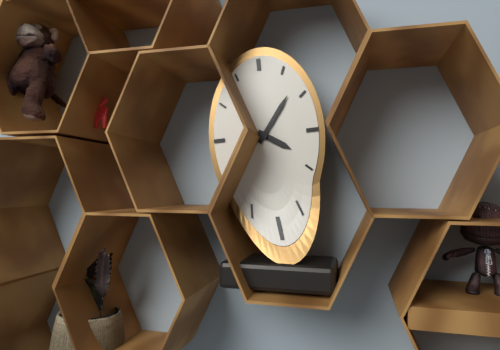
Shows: 4,06
